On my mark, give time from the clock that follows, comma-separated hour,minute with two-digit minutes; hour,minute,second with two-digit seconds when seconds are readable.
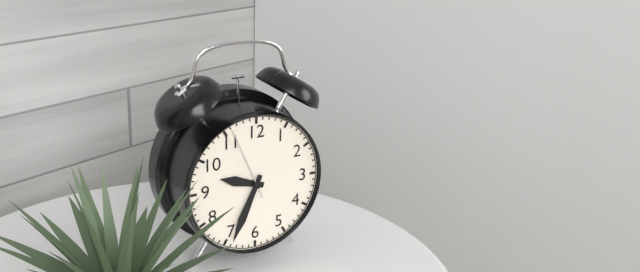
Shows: 9,34,56
